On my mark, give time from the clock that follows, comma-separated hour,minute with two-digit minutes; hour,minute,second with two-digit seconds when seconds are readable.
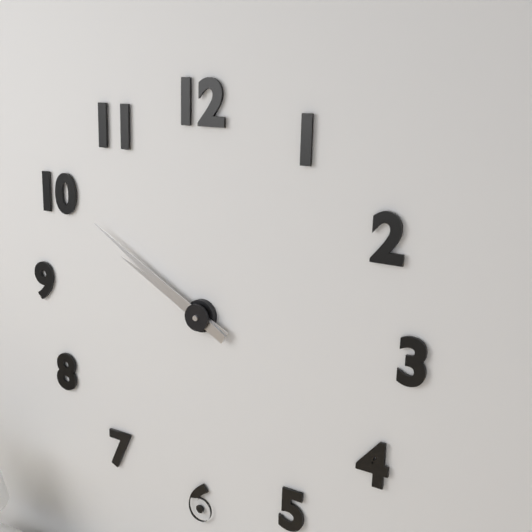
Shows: 9,50
